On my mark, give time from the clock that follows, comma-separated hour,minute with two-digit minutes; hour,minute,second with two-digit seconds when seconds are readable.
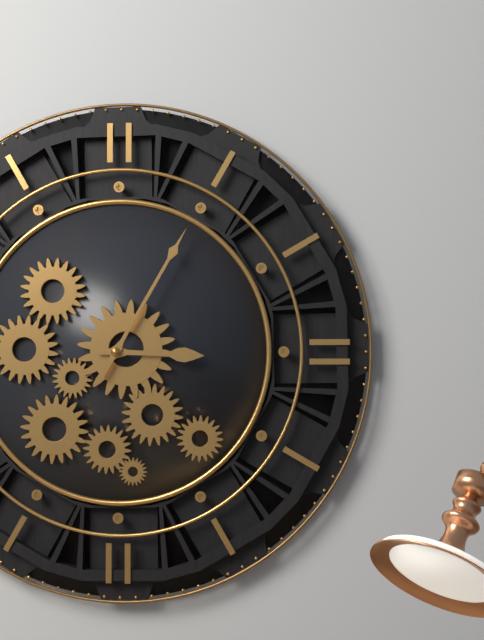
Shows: 3,05
